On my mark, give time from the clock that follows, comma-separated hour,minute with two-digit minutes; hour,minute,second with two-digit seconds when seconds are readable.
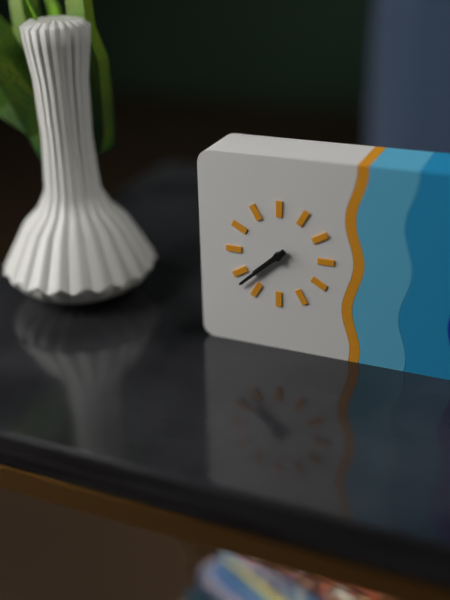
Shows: 7,38
